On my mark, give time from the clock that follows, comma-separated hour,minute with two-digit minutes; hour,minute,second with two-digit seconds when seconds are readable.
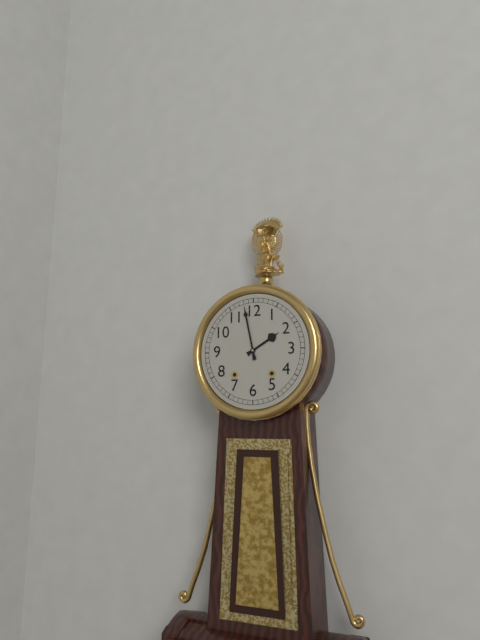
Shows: 1,58
